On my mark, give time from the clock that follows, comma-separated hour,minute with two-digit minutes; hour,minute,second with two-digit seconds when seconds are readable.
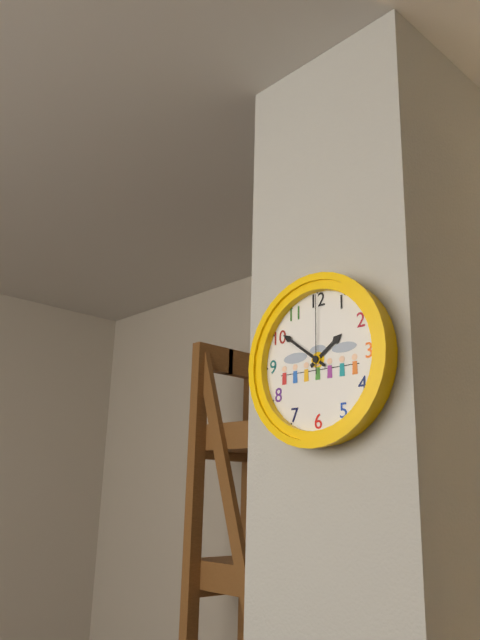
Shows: 1,51,00
